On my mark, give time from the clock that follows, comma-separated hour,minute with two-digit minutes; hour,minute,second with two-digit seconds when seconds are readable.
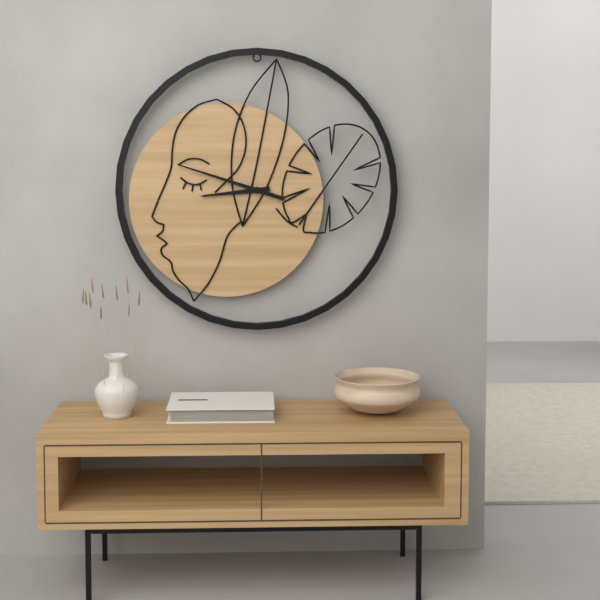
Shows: 8,48
